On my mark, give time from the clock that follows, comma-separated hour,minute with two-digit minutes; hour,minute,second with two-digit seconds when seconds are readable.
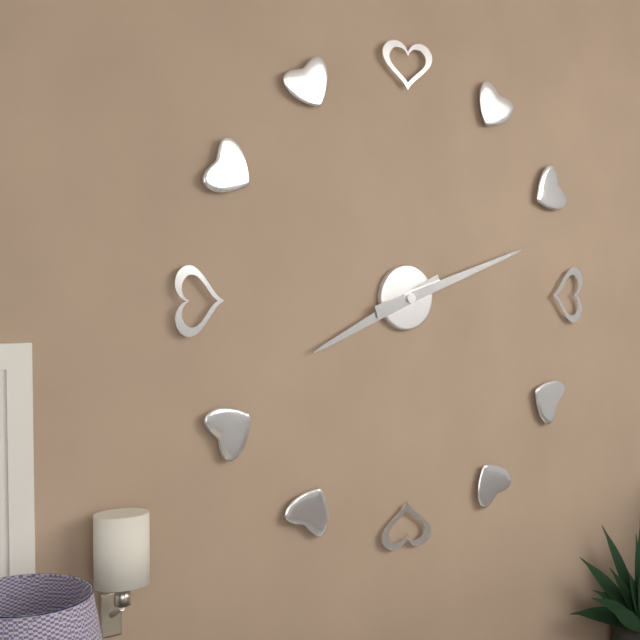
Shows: 8,12
